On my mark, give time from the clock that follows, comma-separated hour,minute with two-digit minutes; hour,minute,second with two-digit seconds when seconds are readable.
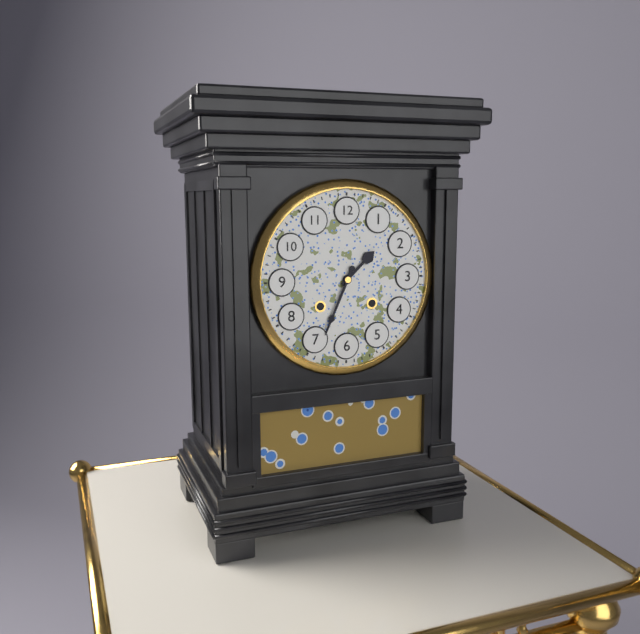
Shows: 1,34
